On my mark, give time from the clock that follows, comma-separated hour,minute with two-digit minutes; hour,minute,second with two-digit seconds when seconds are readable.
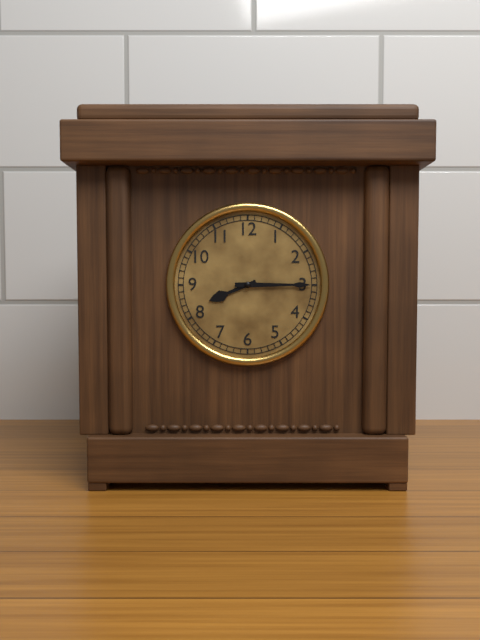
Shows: 8,15
